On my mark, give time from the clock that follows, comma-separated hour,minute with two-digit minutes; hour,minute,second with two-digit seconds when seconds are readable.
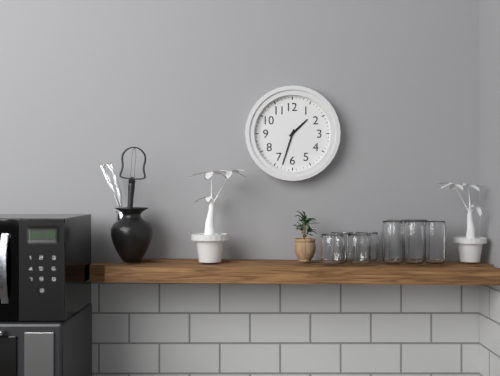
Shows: 1,33
